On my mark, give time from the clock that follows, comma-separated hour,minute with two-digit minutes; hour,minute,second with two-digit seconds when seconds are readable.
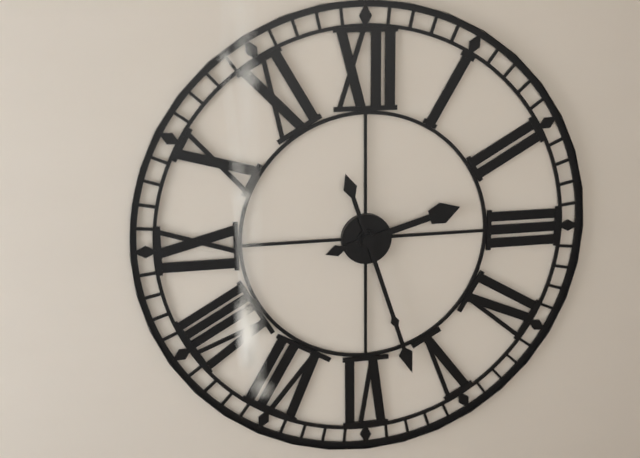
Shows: 2,27
